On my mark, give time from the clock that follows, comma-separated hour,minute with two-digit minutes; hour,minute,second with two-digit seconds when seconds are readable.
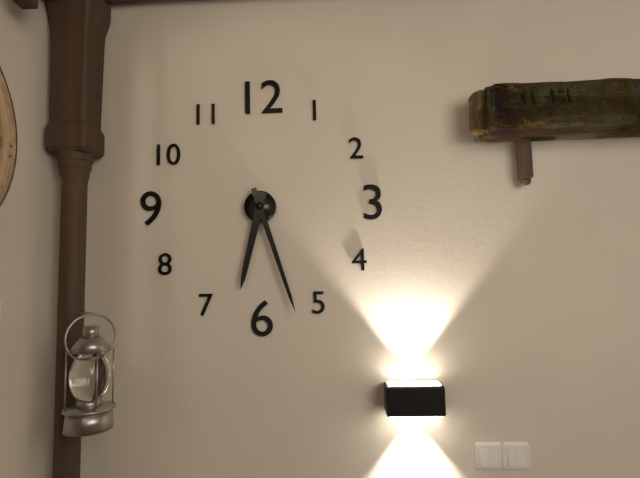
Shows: 6,27
